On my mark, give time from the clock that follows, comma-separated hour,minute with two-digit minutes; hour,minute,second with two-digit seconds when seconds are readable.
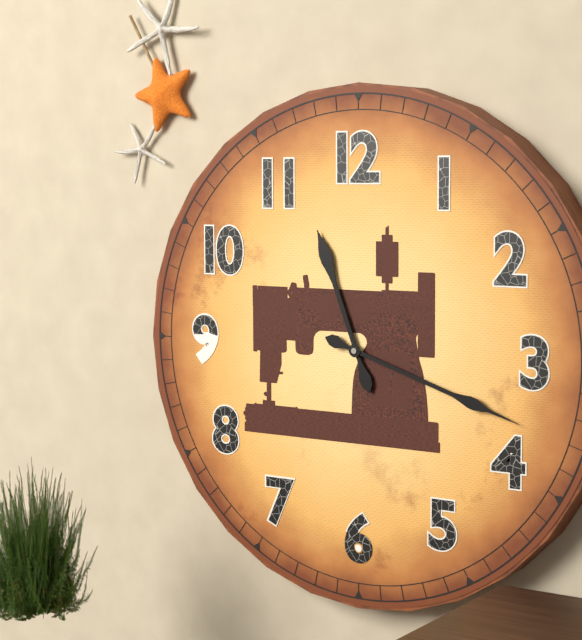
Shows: 11,18
